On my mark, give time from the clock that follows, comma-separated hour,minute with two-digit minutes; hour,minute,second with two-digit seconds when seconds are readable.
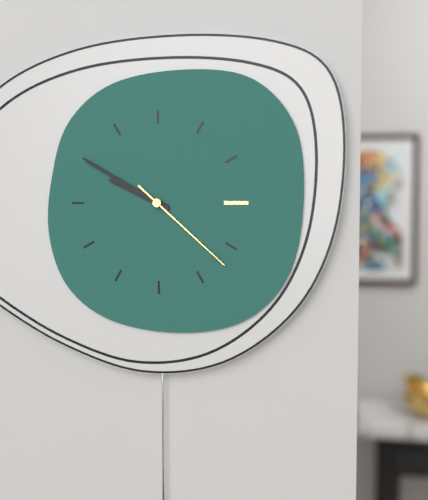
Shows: 9,50,22
